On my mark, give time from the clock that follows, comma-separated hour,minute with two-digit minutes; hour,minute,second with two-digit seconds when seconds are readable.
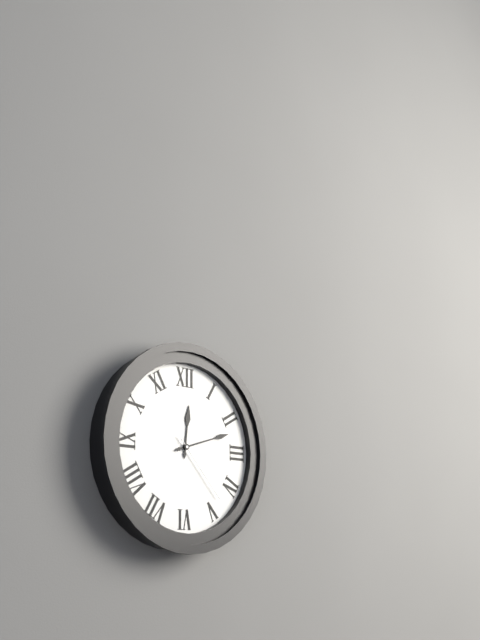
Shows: 12,12,23
